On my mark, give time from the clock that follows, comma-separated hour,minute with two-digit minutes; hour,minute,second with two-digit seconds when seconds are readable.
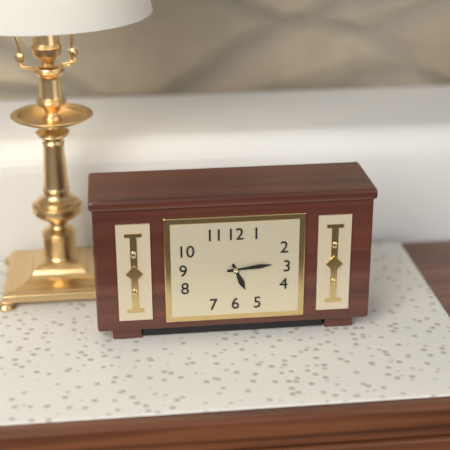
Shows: 5,14
